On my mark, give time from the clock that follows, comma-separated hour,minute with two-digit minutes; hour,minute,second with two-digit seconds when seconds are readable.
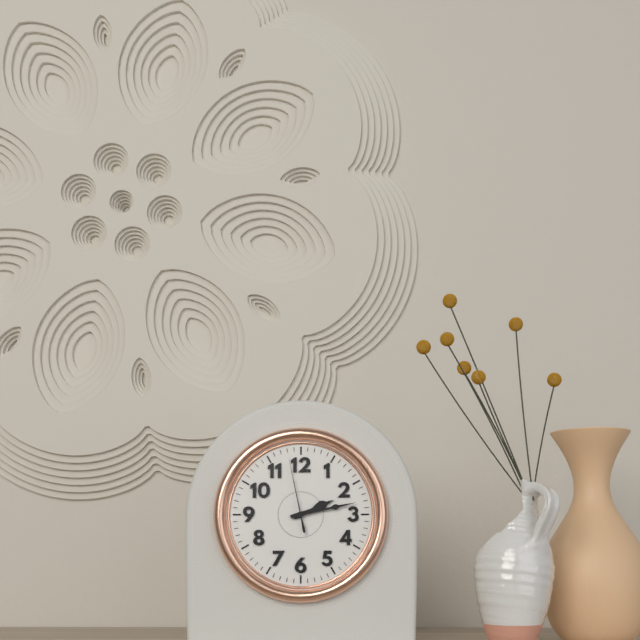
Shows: 2,13,58
